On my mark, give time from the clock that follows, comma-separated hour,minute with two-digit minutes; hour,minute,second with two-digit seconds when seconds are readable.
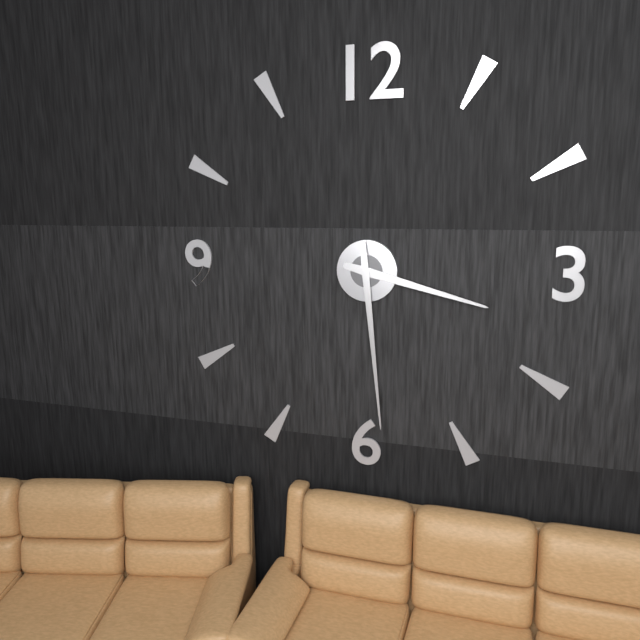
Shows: 3,29
